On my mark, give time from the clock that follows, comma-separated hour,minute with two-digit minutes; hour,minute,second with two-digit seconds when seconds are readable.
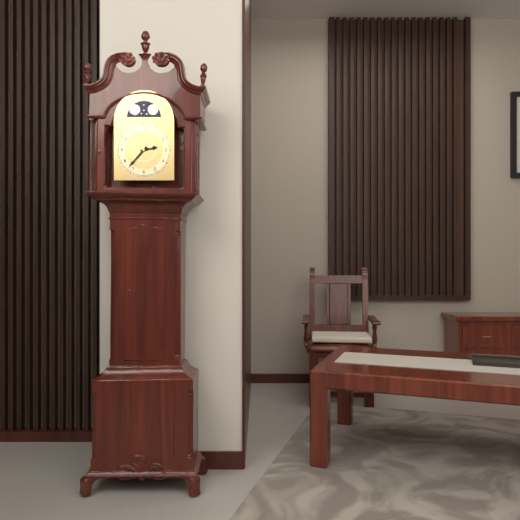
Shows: 2,37
